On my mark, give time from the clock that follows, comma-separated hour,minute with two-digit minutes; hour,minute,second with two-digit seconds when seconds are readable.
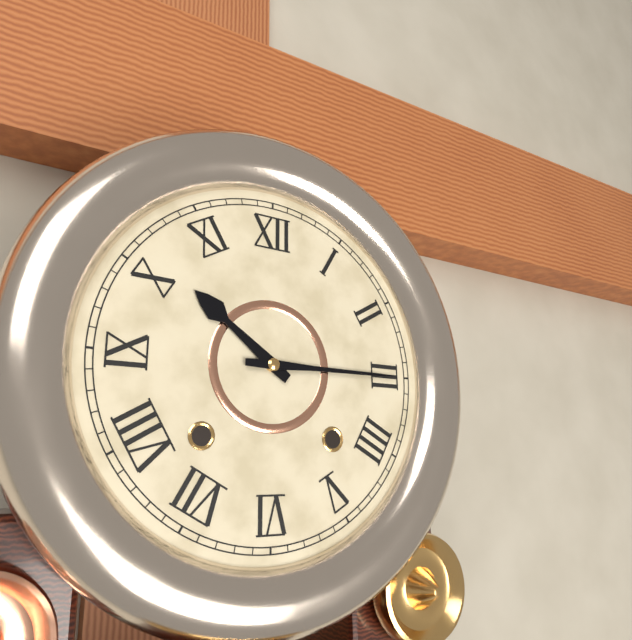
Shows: 10,15
